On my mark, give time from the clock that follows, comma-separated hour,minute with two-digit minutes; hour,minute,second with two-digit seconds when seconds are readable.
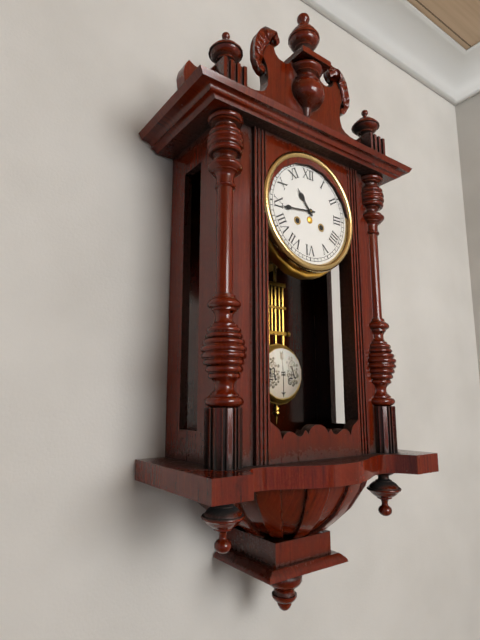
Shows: 10,44
